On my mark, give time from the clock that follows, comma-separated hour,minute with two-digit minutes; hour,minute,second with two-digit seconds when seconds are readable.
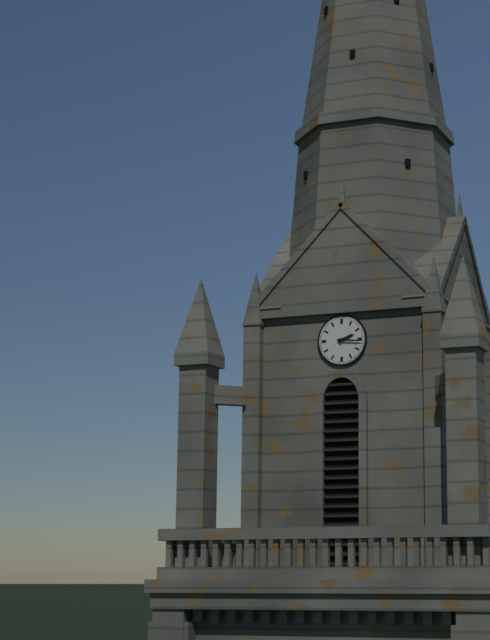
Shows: 2,16
